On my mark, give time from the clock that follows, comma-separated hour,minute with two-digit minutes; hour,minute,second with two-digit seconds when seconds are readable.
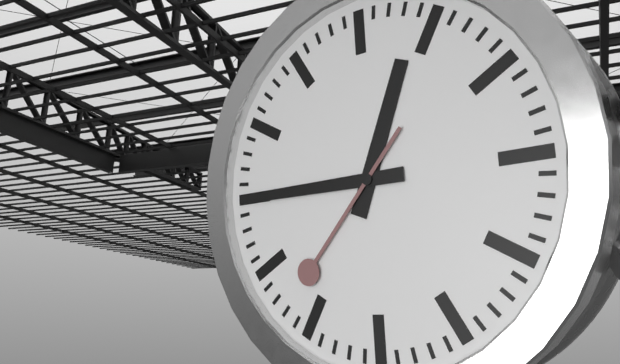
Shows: 12,45,37
